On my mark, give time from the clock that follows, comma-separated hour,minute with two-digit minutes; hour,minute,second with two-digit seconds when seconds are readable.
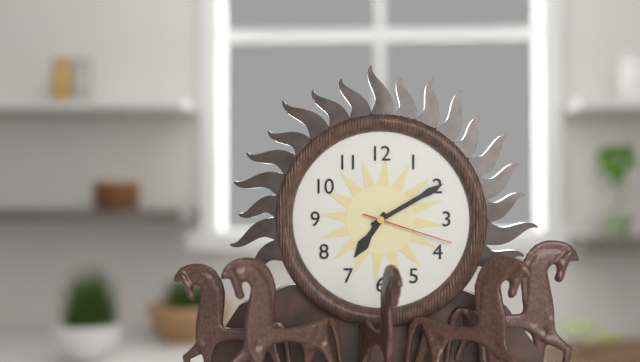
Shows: 7,10,18
